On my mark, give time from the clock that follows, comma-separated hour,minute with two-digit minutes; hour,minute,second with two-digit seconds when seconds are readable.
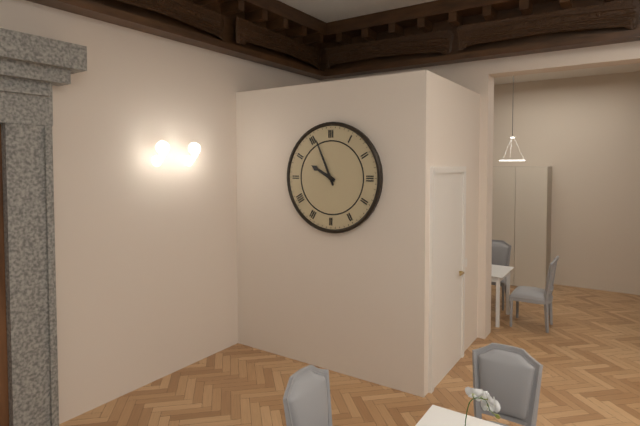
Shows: 9,56
